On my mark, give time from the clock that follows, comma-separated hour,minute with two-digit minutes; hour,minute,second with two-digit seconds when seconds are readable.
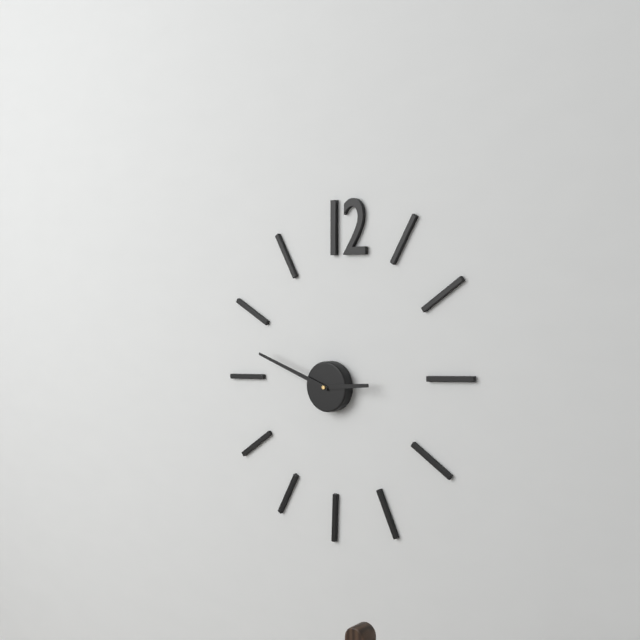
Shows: 2,48
